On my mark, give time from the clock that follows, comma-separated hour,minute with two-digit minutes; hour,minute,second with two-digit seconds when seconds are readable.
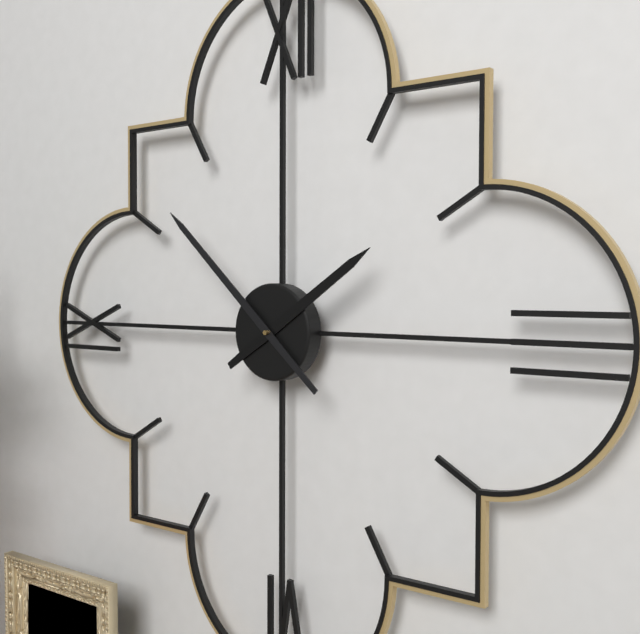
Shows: 1,52
